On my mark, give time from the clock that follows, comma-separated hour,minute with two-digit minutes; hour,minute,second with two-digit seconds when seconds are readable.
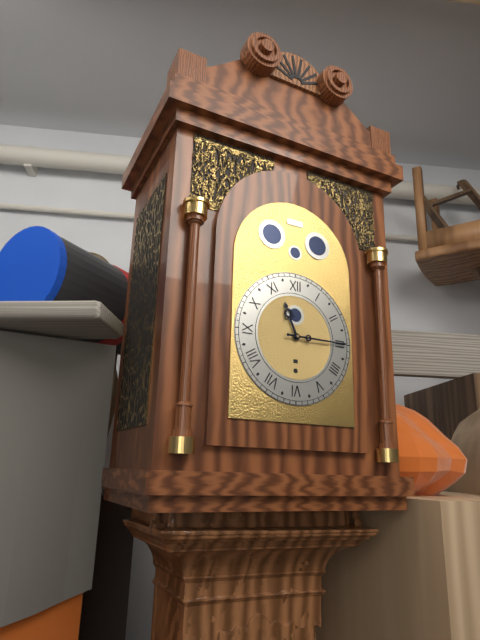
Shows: 11,15
